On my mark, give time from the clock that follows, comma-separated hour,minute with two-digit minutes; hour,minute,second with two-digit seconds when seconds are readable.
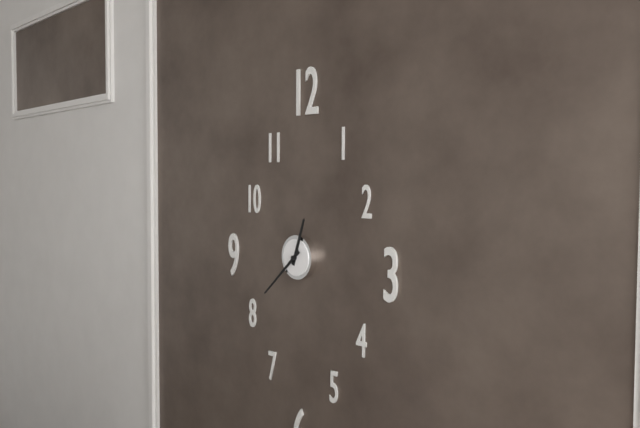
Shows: 12,38
